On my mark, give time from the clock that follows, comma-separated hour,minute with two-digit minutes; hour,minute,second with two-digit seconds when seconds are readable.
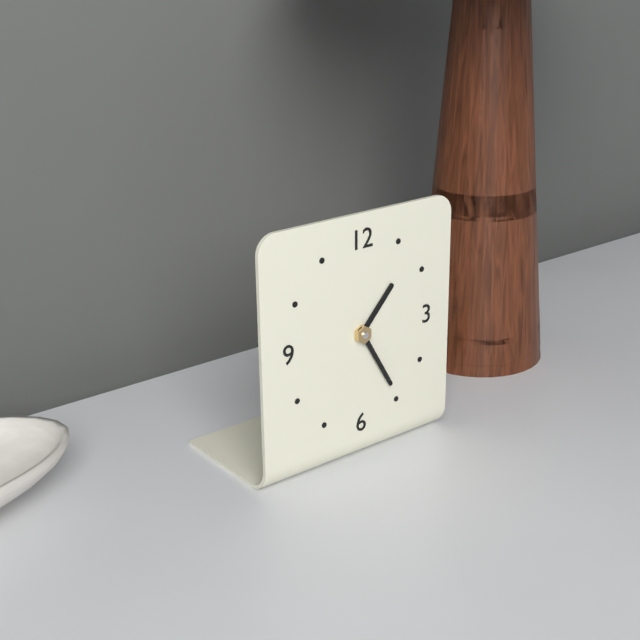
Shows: 1,25
